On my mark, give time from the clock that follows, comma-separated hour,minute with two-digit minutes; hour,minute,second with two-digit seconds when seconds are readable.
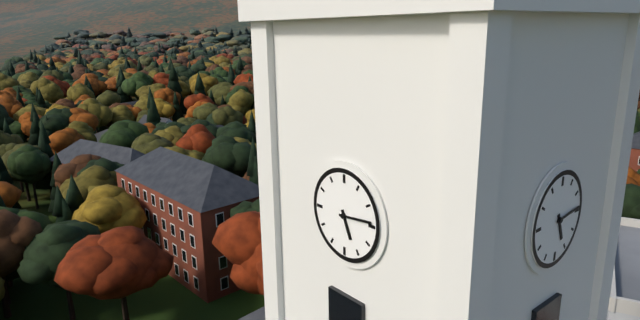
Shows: 5,14
